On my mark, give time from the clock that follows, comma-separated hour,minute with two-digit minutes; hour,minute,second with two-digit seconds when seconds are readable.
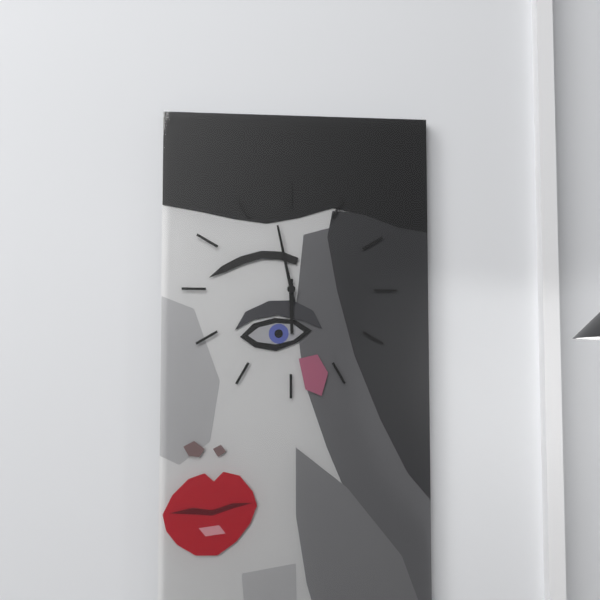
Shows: 5,58
